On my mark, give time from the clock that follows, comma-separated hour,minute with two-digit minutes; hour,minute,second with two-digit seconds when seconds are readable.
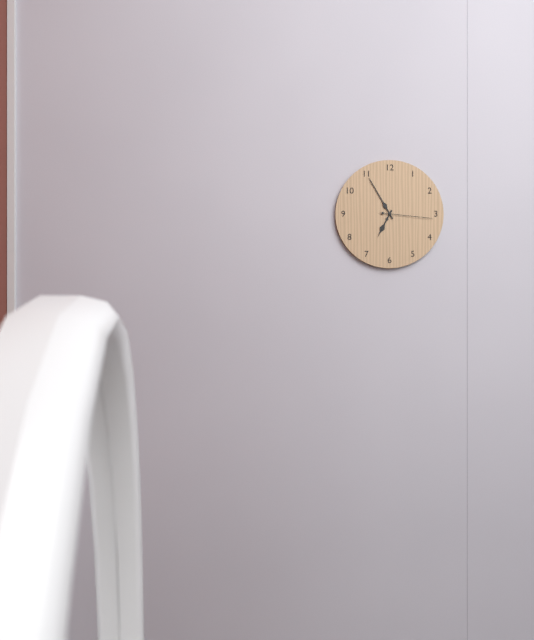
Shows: 6,55,16
